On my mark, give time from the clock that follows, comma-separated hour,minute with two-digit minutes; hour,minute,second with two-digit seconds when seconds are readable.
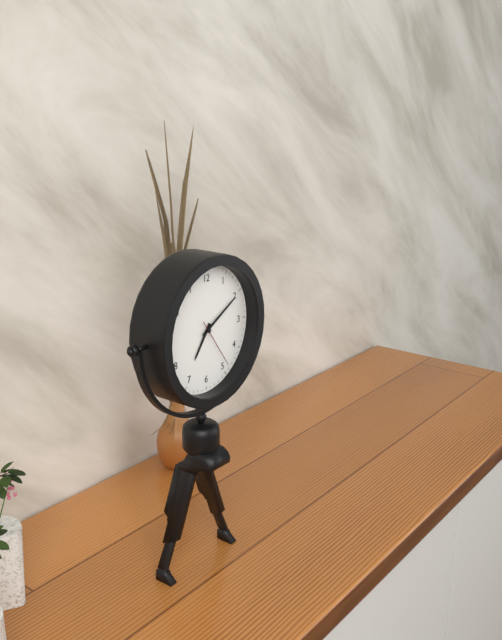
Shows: 7,10,24
